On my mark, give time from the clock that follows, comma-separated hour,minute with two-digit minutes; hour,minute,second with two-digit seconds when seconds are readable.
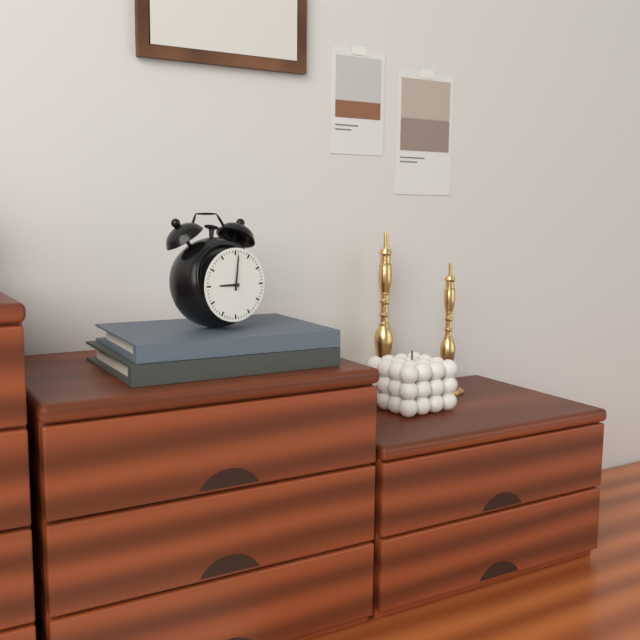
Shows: 9,01
